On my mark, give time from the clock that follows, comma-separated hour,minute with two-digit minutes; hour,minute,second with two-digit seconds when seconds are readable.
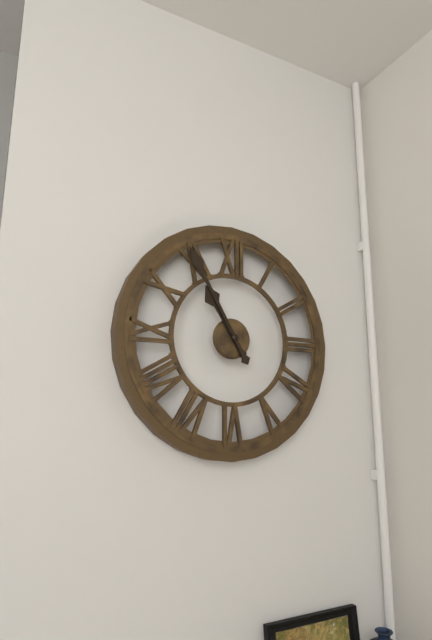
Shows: 10,55
